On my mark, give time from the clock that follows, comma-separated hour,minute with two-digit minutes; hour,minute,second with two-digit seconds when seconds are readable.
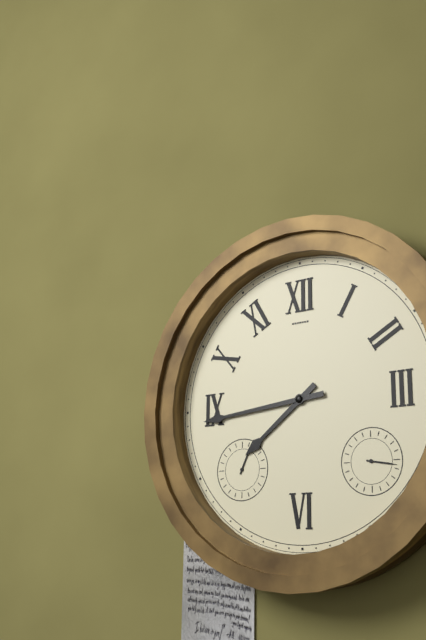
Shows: 7,44
